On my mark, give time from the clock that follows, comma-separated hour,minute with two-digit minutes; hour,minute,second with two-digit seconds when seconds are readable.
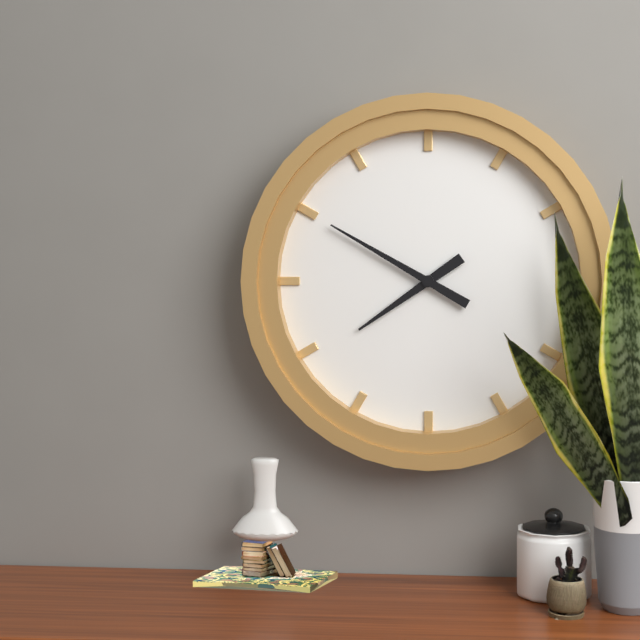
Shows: 7,50
